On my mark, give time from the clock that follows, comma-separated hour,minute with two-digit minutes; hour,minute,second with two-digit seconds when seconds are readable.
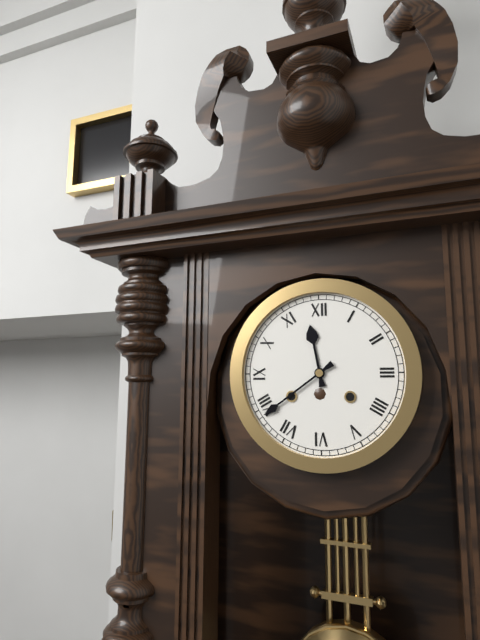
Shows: 11,39
